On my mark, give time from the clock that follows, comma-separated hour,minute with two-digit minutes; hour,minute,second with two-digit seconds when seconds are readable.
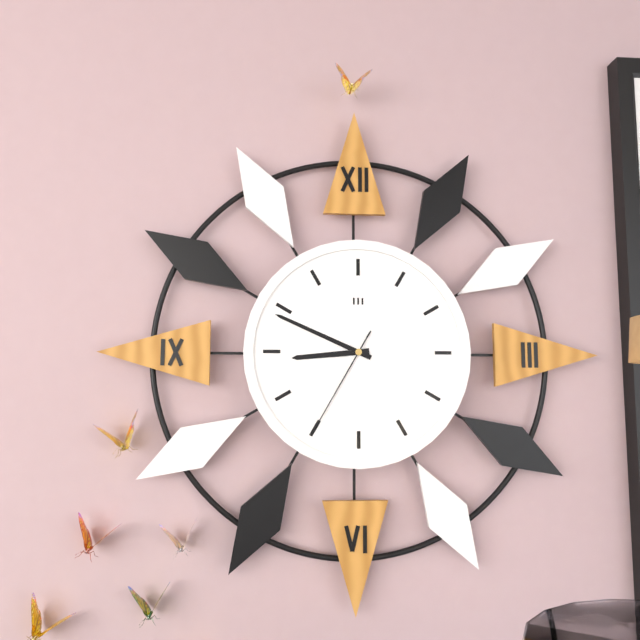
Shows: 8,49,35
